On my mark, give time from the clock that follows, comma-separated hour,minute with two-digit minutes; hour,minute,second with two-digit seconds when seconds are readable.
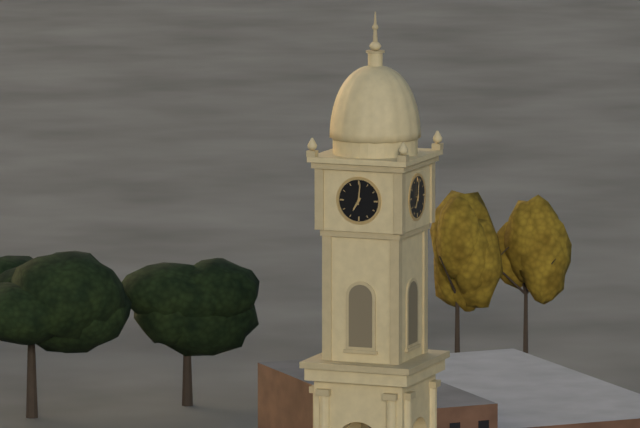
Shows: 7,01
